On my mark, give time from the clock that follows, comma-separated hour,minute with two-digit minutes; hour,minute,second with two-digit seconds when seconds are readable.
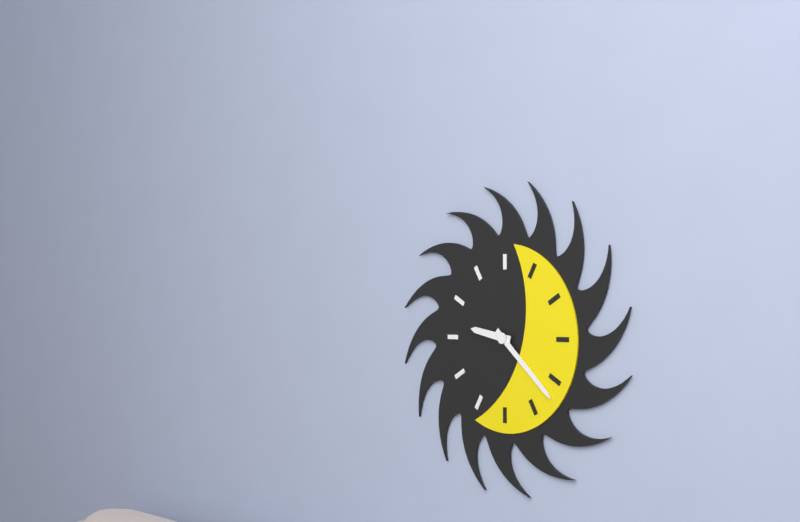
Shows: 9,22
